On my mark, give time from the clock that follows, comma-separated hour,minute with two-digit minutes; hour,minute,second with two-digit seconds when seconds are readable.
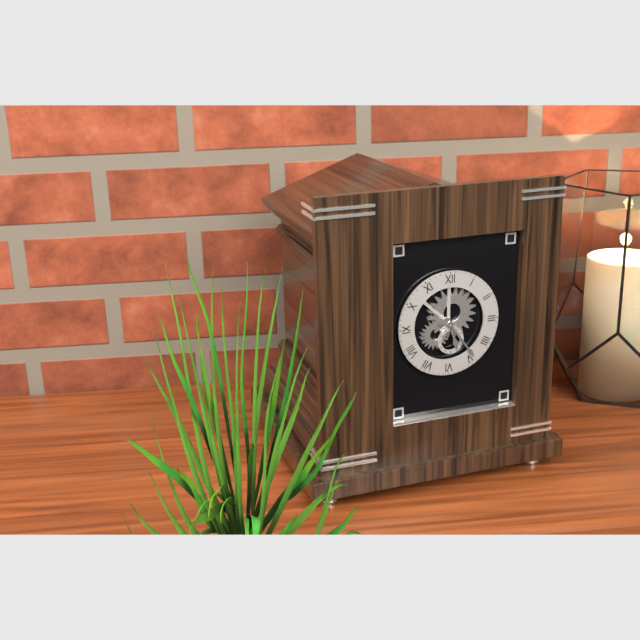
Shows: 5,24
